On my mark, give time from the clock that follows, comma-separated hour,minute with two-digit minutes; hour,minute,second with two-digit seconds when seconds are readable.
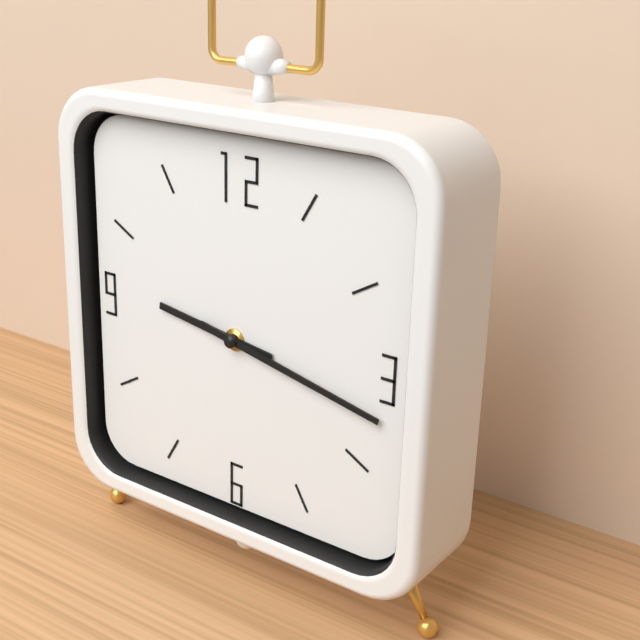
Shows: 9,17
